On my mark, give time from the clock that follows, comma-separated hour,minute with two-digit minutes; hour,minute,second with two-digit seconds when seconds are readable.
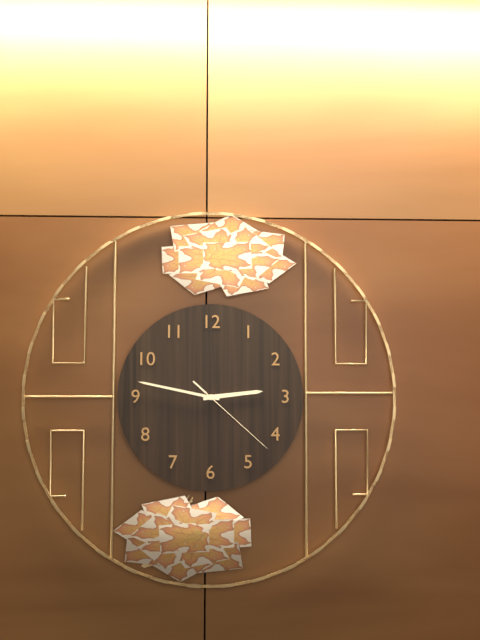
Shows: 2,47,22
